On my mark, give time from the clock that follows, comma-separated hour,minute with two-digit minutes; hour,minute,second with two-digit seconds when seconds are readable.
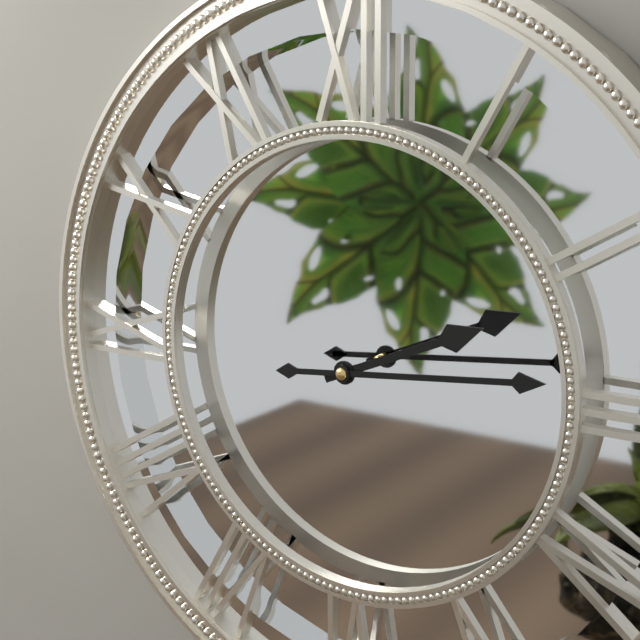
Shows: 2,14
